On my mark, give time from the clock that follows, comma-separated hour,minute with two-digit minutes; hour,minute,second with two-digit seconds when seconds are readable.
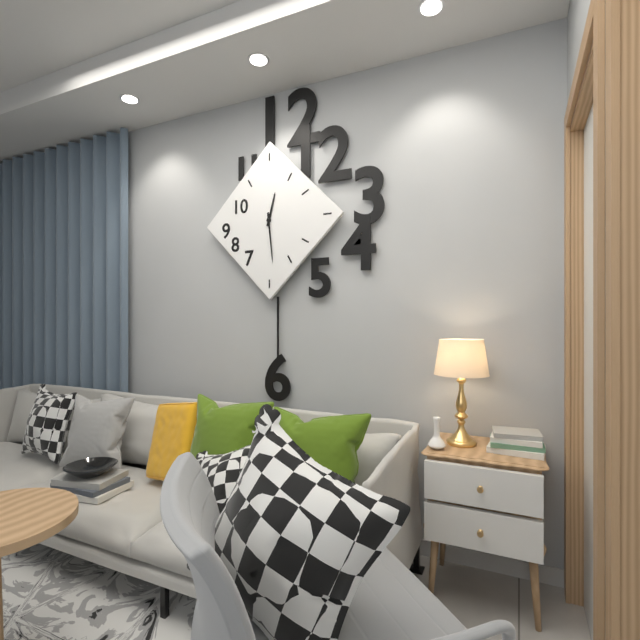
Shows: 12,29
